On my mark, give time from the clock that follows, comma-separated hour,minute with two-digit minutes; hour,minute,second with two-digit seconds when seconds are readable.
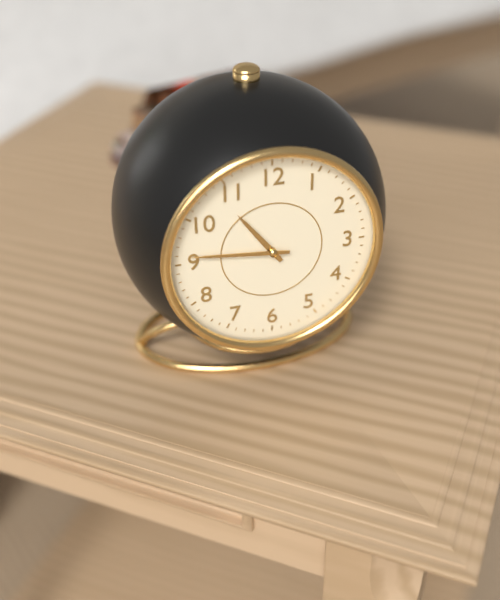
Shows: 10,46
